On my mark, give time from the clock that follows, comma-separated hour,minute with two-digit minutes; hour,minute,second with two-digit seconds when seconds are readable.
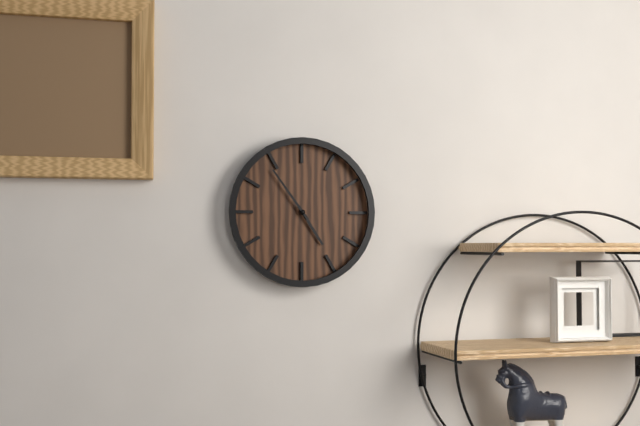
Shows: 4,54
